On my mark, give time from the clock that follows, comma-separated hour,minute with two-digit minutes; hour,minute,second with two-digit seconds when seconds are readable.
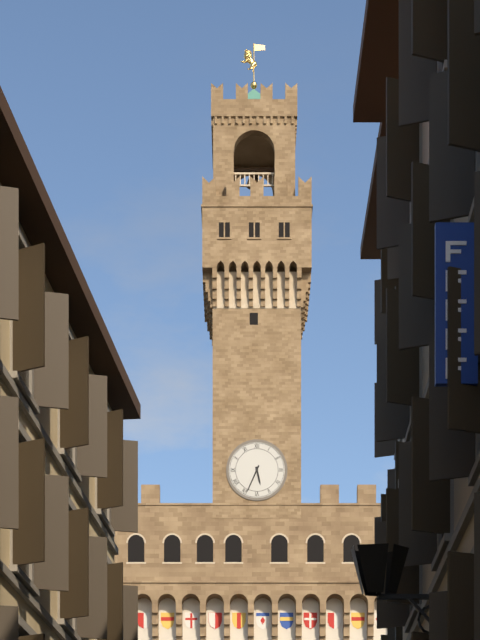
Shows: 5,34
